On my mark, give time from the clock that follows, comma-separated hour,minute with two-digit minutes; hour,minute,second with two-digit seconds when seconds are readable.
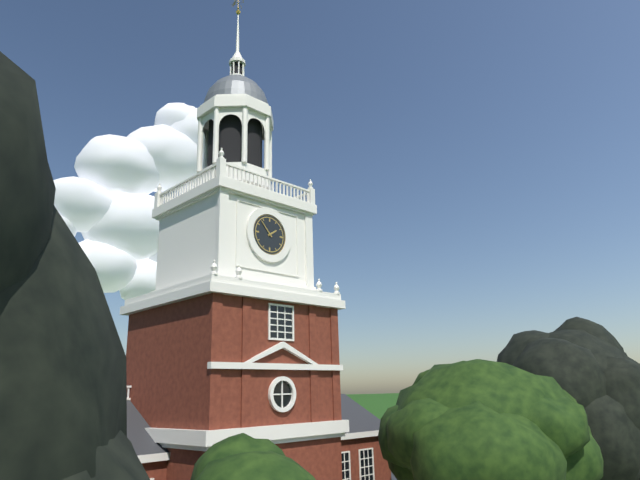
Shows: 1,53
